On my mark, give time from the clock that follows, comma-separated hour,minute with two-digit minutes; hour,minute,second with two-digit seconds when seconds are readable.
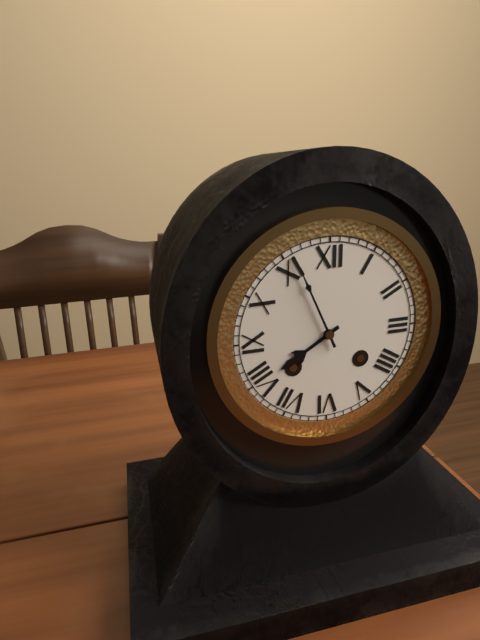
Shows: 7,56
